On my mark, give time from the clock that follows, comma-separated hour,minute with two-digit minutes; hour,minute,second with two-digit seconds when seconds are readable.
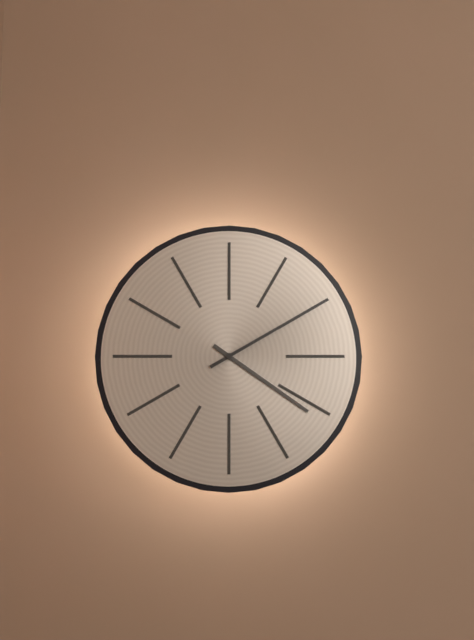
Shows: 4,10
